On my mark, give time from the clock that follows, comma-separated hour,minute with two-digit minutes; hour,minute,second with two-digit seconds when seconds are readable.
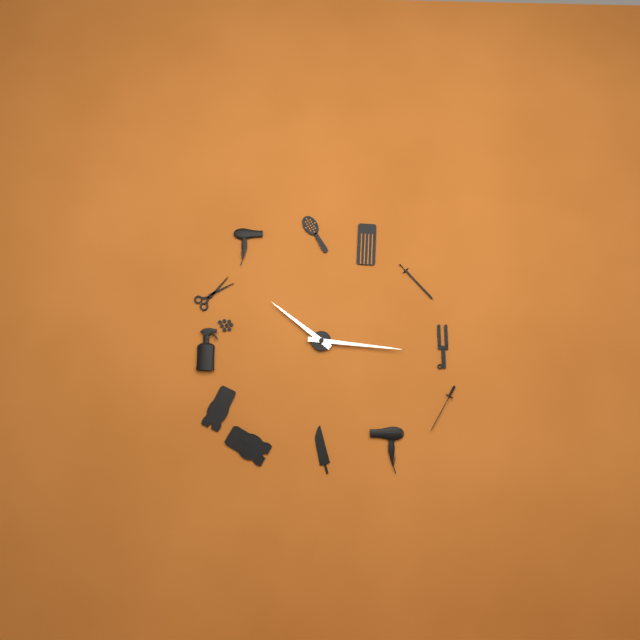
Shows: 10,16
